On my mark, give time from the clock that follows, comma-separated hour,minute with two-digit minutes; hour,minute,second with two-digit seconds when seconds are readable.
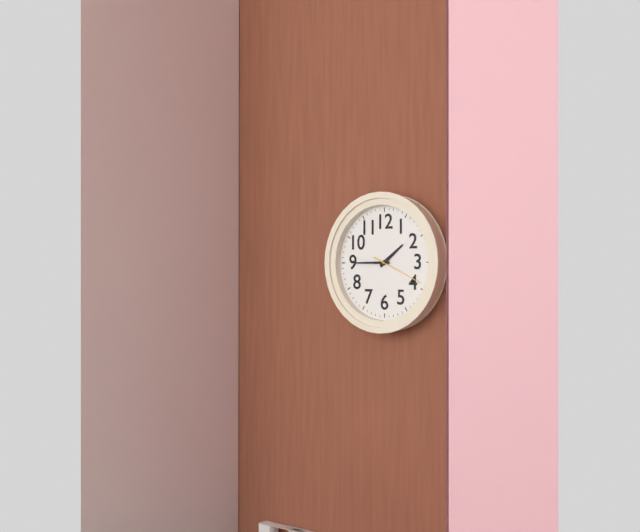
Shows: 1,45,19
